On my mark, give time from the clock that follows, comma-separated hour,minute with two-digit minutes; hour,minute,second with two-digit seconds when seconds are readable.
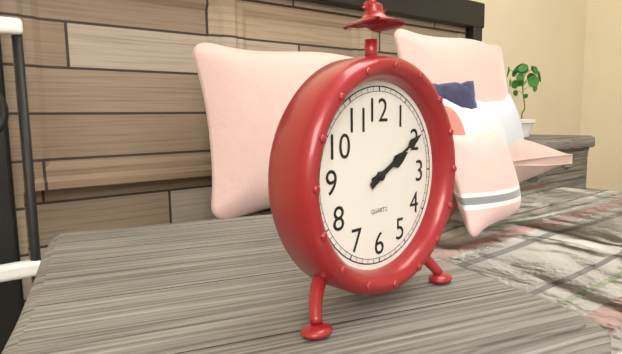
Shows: 2,10
